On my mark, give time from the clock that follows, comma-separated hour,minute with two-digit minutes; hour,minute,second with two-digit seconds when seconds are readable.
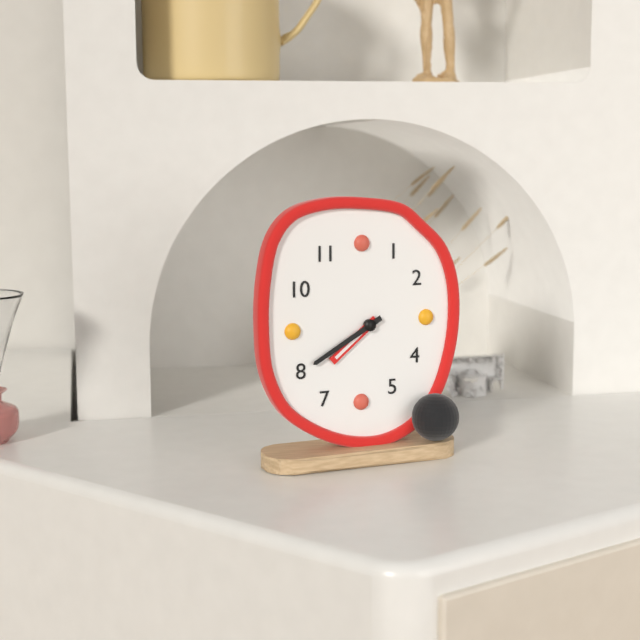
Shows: 7,40
